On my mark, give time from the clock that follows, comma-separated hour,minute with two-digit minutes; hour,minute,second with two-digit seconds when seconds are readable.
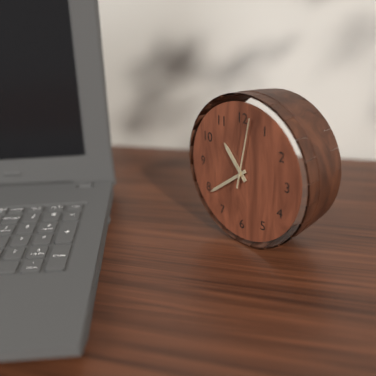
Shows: 10,39,02
